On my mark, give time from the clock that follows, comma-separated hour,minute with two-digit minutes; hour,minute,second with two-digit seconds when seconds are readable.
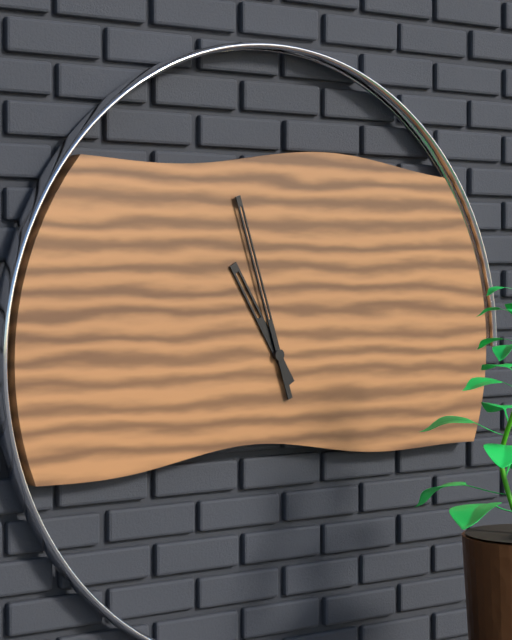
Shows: 10,57
